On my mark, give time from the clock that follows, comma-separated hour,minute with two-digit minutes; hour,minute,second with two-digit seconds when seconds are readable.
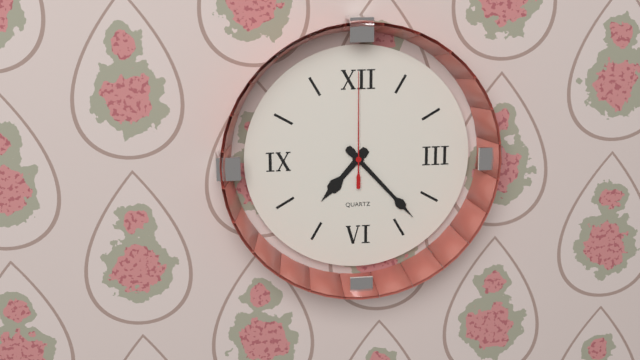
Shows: 7,23,00
